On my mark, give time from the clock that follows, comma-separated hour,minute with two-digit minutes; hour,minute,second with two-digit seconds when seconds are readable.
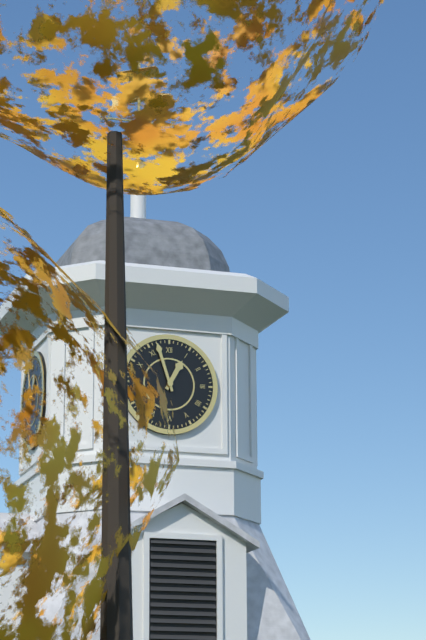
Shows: 12,57
